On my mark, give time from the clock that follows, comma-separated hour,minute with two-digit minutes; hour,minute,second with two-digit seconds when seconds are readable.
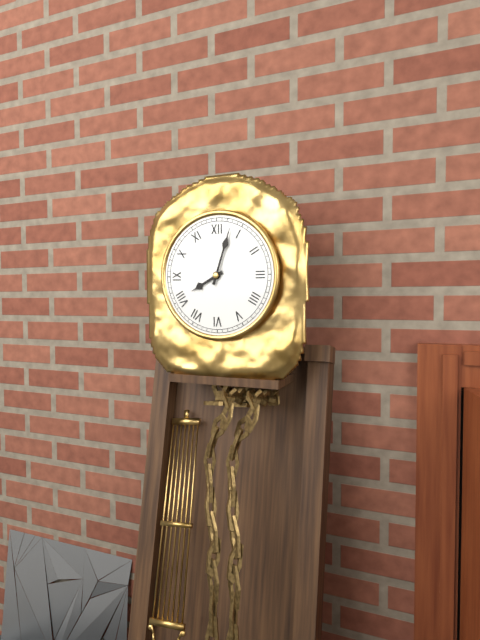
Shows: 8,03
